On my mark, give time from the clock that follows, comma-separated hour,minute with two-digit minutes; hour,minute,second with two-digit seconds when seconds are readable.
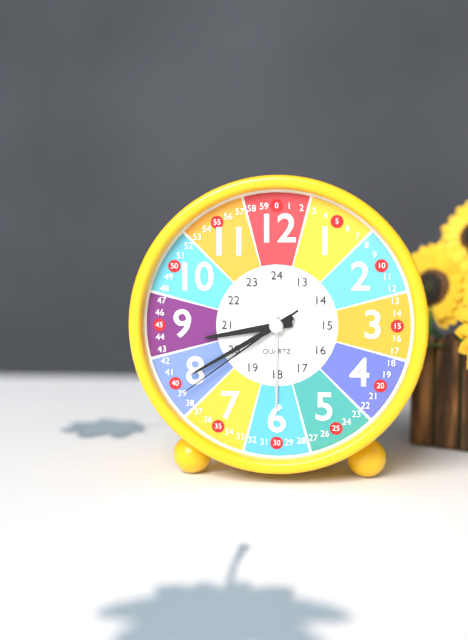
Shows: 8,40,39
